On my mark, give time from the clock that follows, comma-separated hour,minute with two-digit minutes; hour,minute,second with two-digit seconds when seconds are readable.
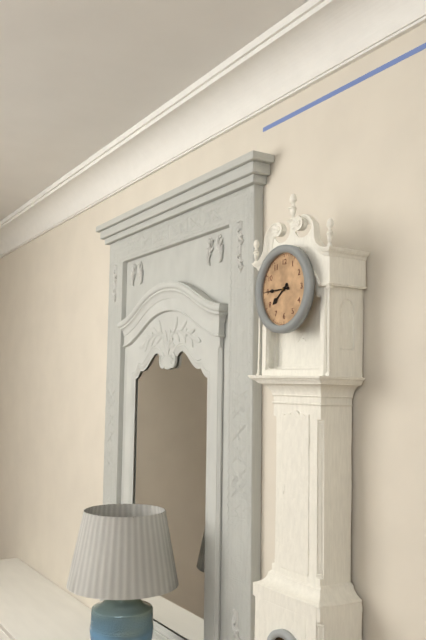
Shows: 7,45
